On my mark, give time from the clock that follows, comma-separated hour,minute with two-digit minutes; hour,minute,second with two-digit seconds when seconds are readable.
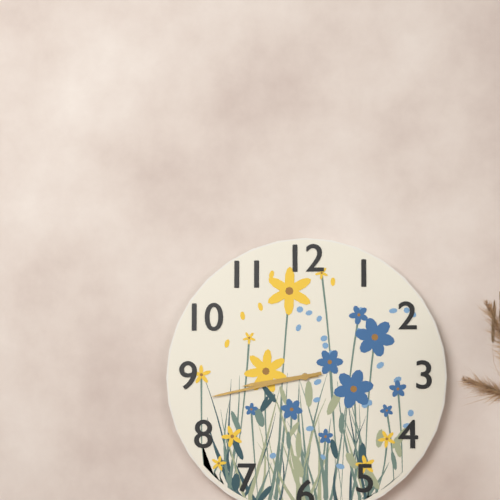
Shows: 8,43
